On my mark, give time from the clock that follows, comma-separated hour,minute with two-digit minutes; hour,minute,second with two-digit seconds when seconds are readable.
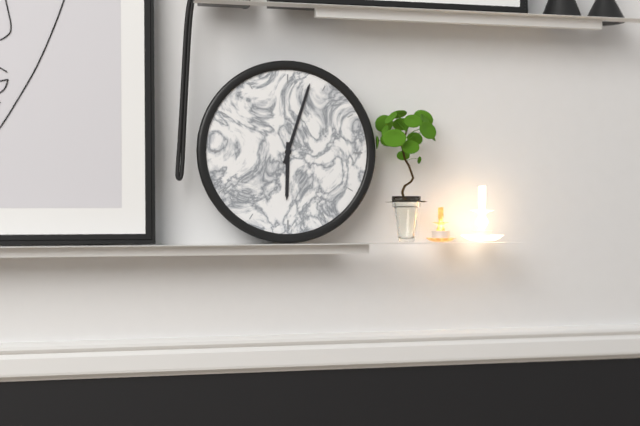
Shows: 6,03
